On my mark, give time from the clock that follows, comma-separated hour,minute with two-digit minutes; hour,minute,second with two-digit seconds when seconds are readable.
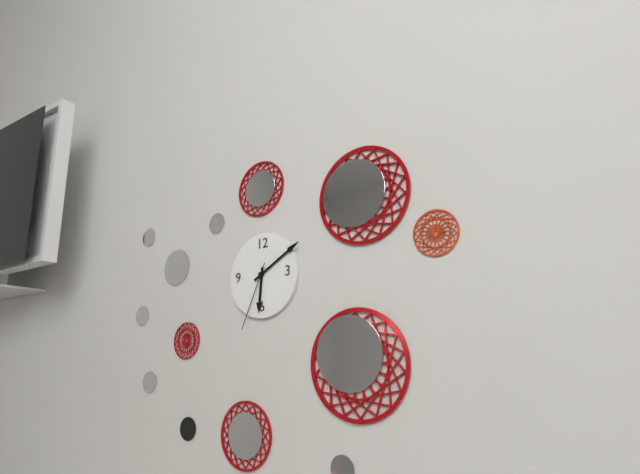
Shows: 6,10,34
